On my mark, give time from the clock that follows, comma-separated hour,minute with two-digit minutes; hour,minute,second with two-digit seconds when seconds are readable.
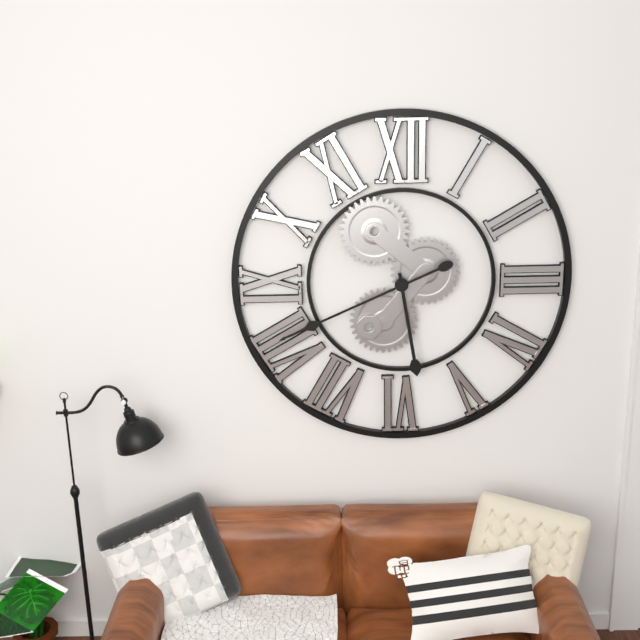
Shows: 5,41
